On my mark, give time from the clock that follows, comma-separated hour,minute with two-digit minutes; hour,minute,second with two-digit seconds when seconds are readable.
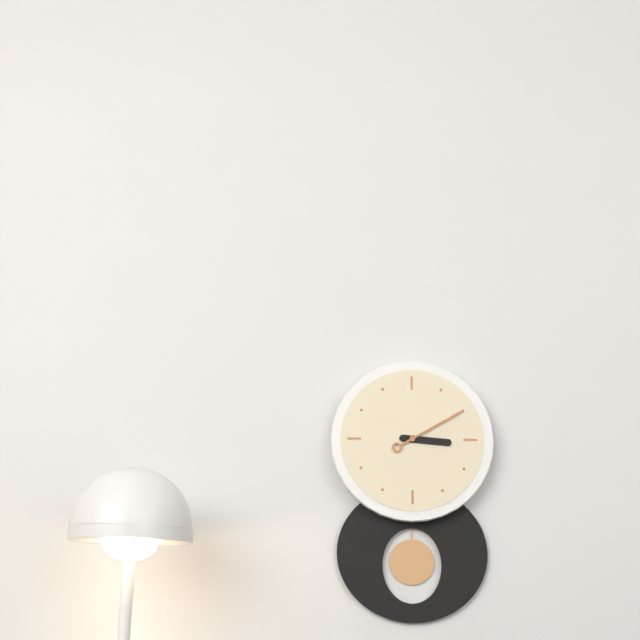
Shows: 3,10
